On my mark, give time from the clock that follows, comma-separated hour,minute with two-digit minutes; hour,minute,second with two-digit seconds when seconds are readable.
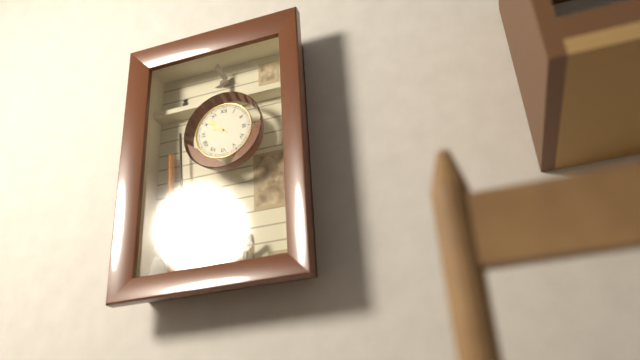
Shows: 9,52
